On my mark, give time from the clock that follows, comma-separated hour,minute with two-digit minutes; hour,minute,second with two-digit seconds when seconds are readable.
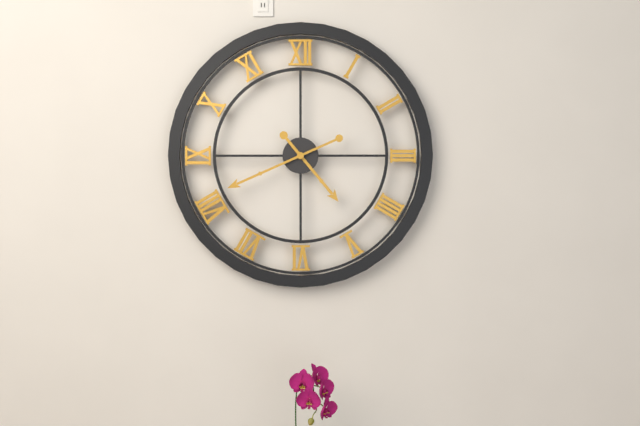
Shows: 4,41
